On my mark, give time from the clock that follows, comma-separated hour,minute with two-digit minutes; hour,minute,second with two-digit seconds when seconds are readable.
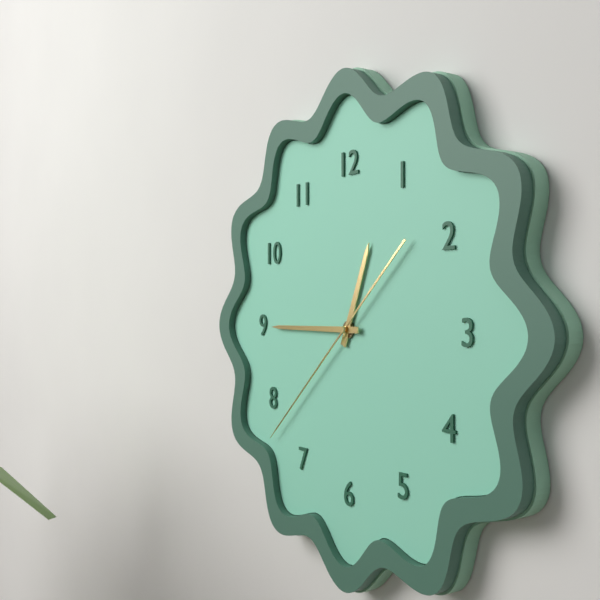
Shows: 12,45,38
